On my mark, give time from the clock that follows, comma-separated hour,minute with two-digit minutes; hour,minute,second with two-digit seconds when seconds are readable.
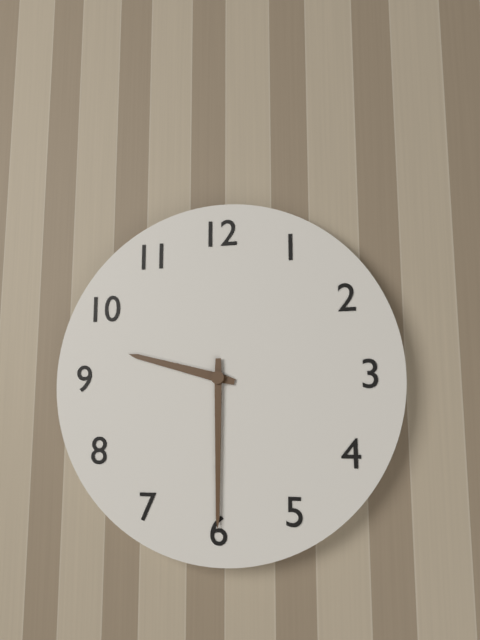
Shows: 9,30
